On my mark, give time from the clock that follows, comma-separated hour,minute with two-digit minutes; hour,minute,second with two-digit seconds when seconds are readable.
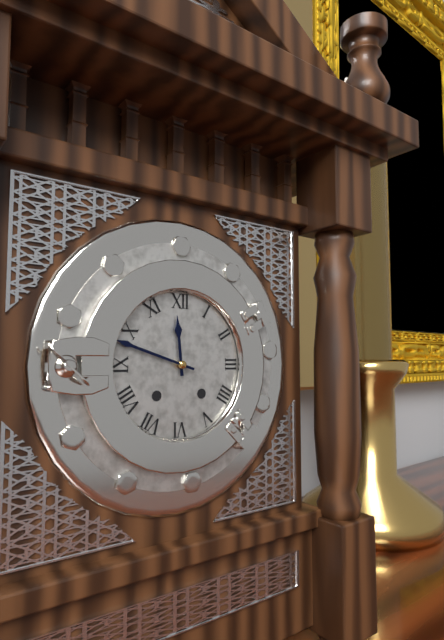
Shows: 11,48
